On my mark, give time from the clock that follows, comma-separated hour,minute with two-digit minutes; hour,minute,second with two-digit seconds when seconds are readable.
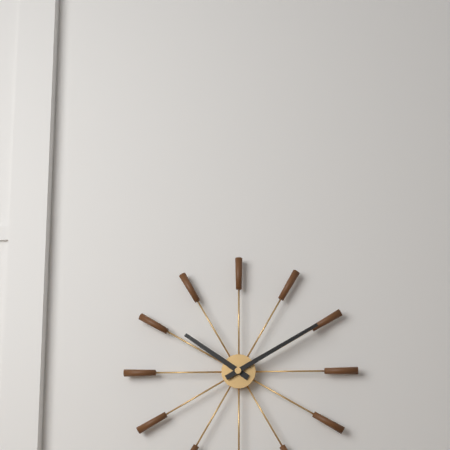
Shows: 10,10
